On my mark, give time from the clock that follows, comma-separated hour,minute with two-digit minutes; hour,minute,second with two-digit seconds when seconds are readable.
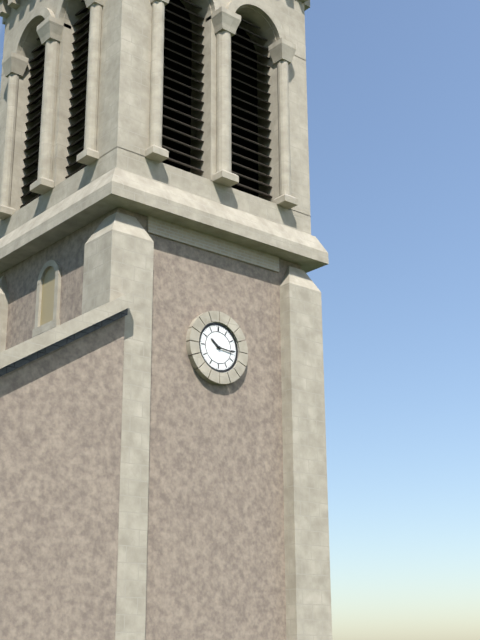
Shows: 10,16
